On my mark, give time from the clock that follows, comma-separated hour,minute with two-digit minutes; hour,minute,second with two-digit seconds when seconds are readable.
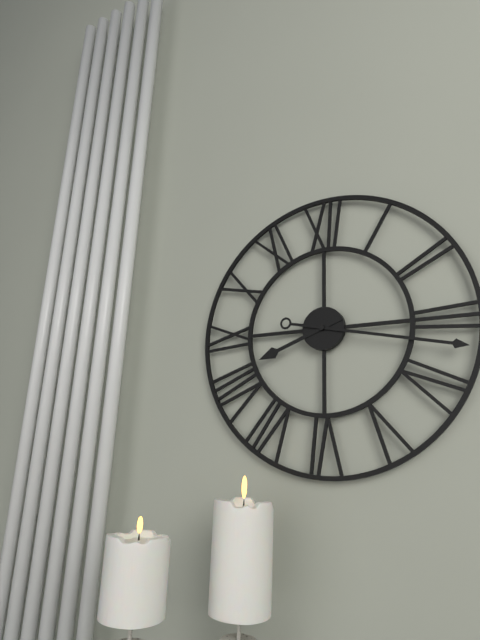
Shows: 8,17
